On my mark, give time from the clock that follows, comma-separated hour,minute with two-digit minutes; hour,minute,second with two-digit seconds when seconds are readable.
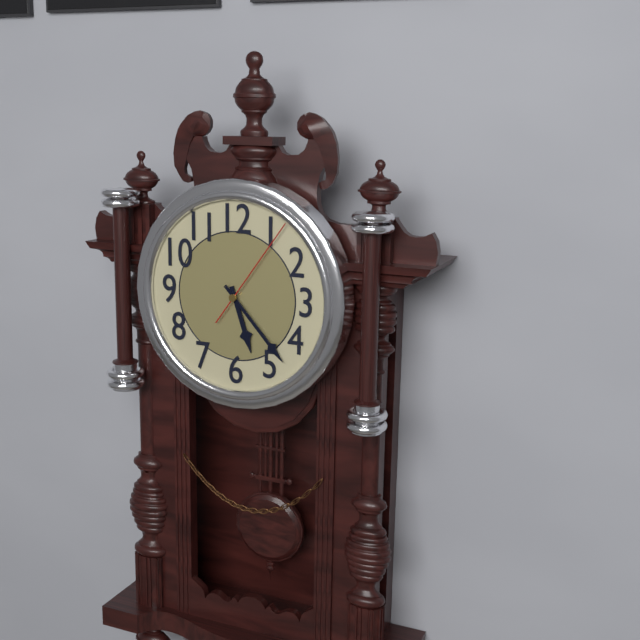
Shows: 5,23,06
